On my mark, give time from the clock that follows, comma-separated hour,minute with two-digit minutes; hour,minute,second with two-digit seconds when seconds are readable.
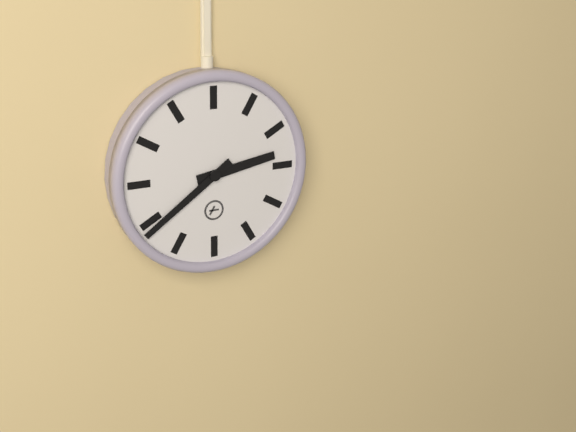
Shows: 2,39
